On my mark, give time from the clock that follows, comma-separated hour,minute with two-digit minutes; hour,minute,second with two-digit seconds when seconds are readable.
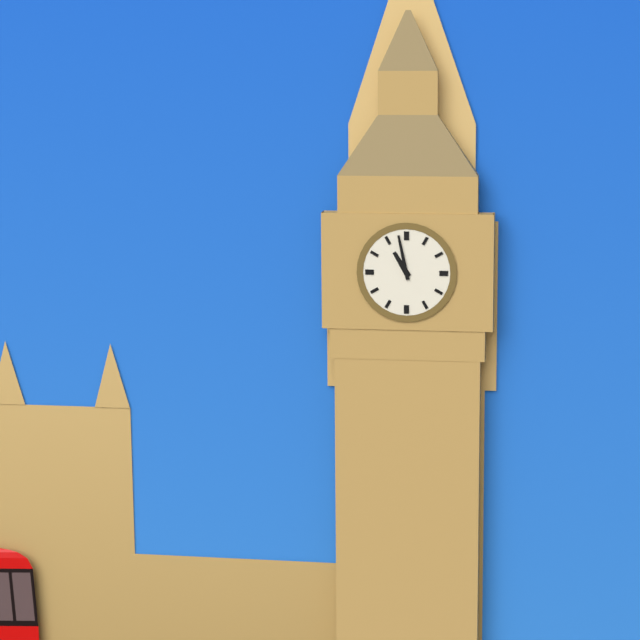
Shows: 10,58
